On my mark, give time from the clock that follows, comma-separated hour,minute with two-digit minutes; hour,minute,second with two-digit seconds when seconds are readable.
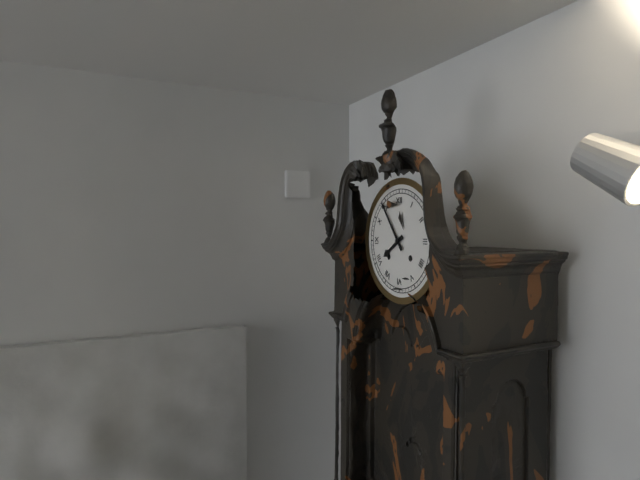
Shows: 7,54
